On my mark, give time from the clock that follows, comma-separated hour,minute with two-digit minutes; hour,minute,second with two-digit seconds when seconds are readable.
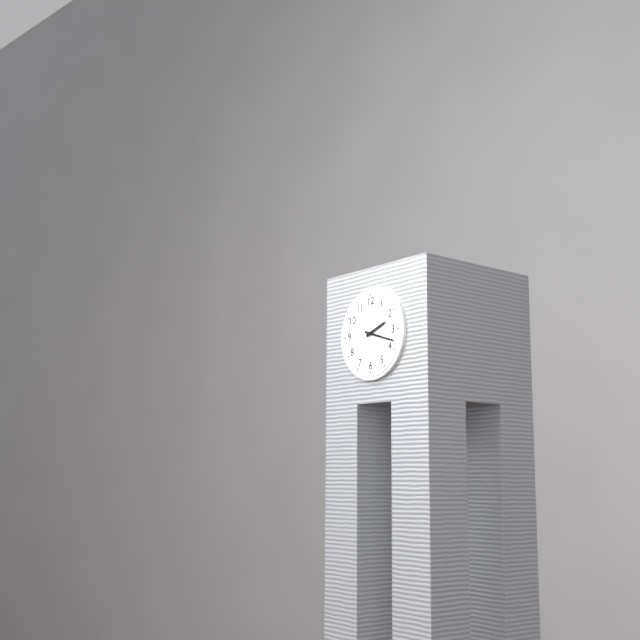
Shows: 2,18
